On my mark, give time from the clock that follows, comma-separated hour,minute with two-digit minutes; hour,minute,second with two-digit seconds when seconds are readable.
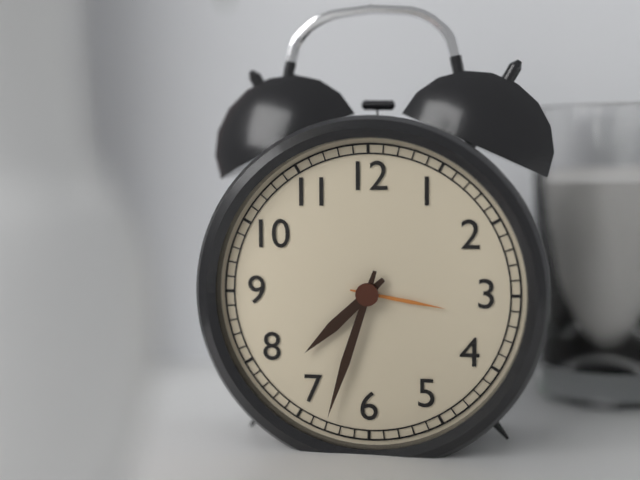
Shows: 7,33
